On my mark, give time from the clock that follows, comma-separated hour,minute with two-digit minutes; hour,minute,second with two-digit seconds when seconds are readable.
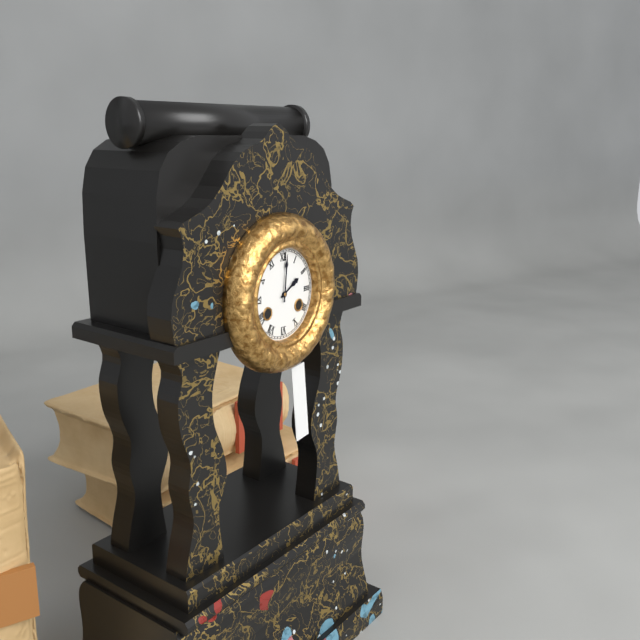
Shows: 2,01
